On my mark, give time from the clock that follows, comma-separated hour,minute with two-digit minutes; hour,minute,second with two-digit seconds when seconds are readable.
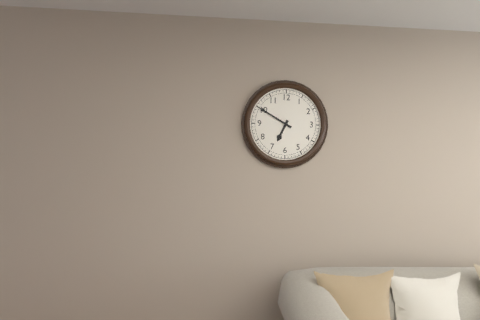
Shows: 6,50
